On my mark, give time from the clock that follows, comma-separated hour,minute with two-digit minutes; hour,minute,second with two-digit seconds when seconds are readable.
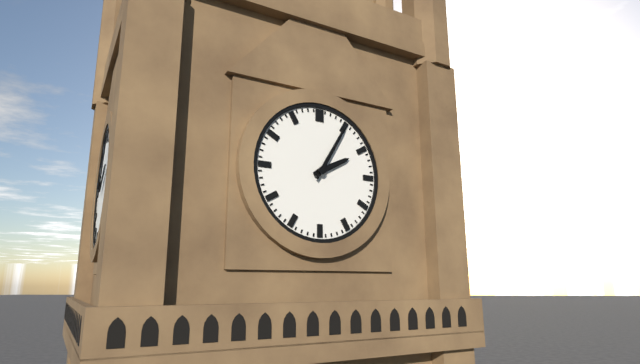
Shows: 2,05
